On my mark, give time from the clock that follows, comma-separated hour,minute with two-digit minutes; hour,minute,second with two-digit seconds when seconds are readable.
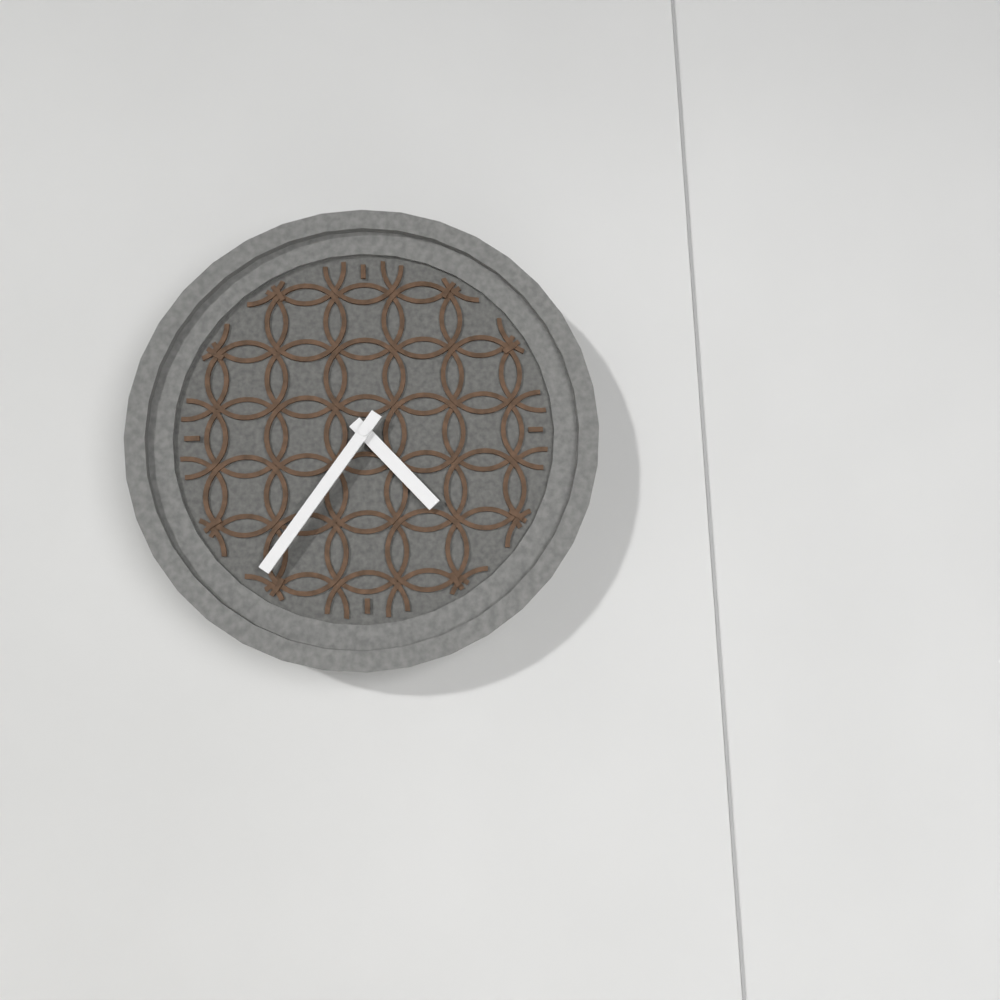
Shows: 4,36
